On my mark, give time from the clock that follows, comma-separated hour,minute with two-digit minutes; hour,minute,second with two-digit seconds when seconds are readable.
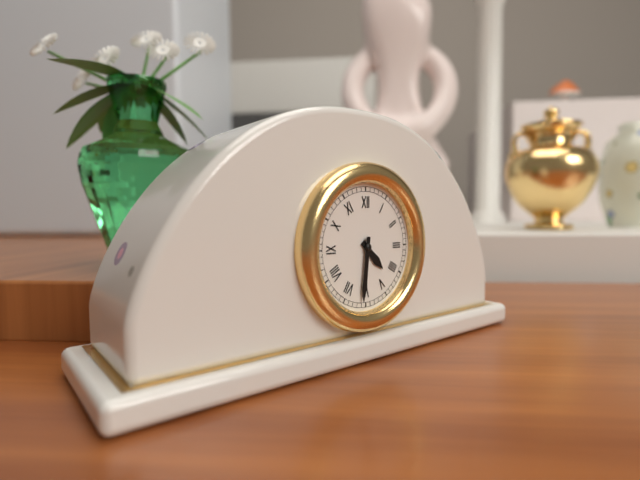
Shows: 4,31
